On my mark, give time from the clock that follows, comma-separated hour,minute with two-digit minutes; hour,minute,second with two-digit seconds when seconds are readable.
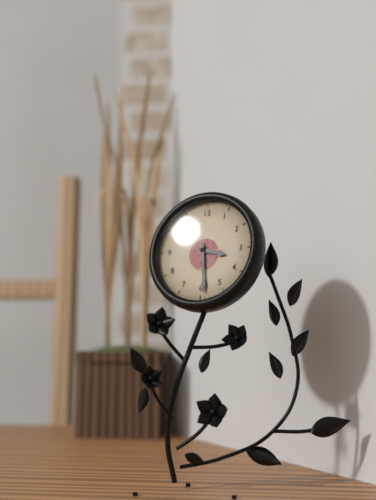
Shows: 3,29
